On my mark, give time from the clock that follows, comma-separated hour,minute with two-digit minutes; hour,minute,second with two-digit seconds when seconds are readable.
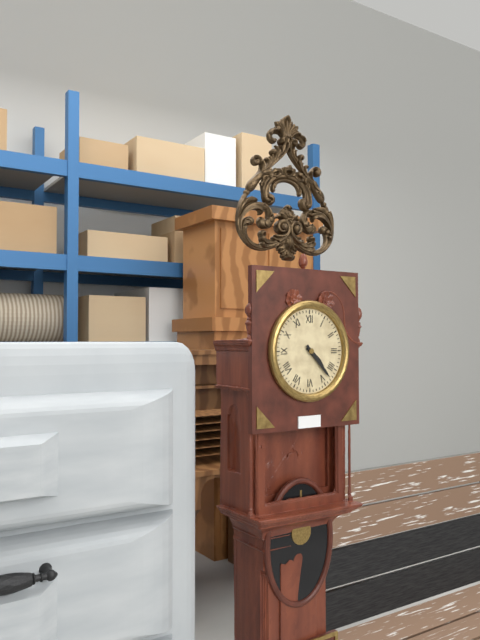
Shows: 4,23
